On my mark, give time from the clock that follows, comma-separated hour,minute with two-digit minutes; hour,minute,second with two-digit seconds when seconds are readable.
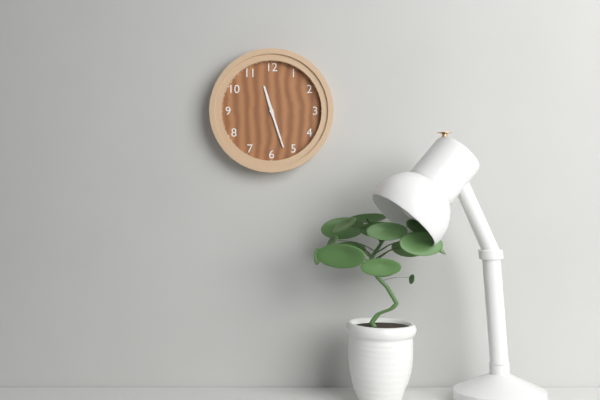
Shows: 11,27
